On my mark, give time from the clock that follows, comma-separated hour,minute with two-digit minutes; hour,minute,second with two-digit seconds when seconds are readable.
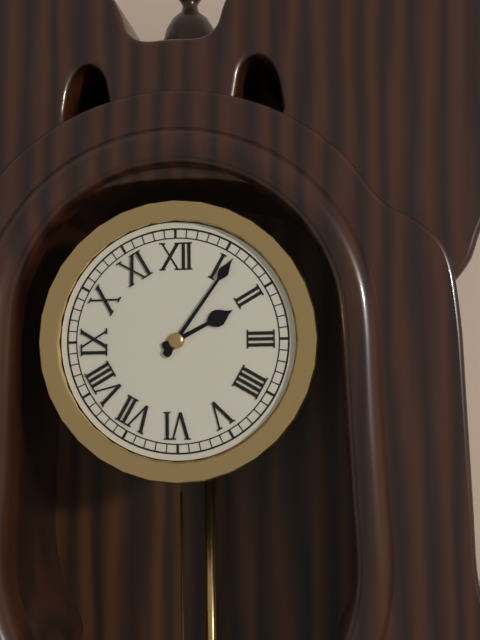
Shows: 2,06
